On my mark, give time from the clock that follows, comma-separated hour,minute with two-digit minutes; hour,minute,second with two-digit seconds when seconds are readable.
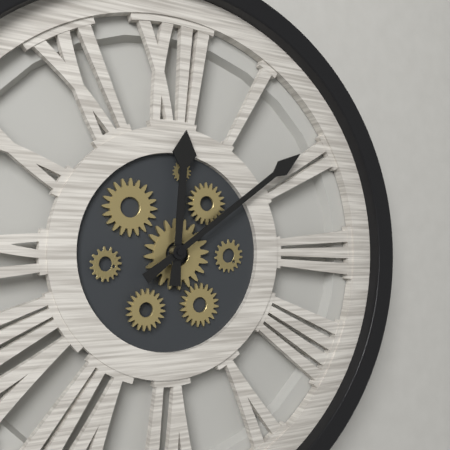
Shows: 12,09
